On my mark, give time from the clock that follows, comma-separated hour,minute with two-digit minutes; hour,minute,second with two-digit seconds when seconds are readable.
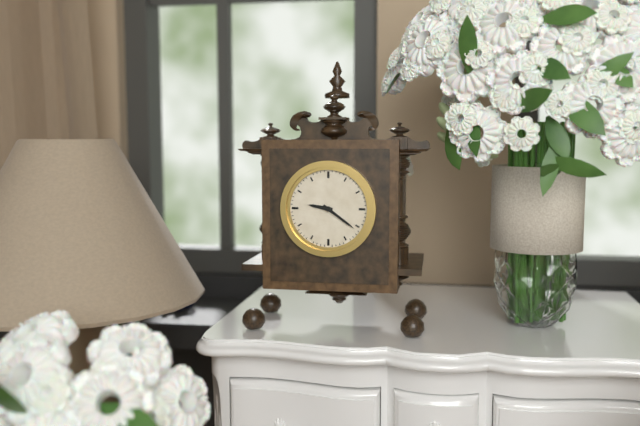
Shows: 9,21
